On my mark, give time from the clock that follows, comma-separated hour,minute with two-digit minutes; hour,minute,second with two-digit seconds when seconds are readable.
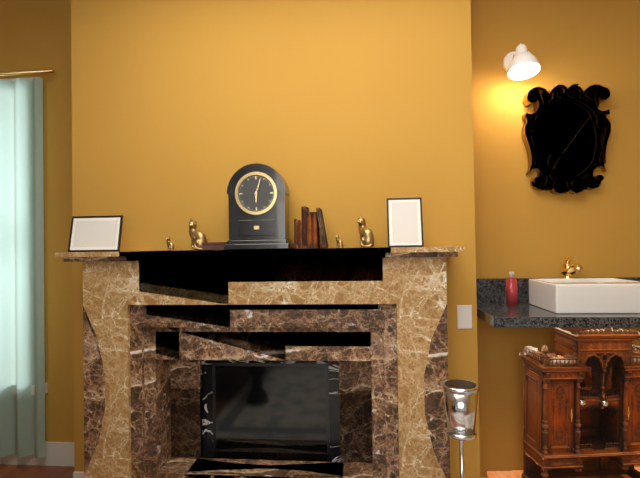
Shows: 6,03
